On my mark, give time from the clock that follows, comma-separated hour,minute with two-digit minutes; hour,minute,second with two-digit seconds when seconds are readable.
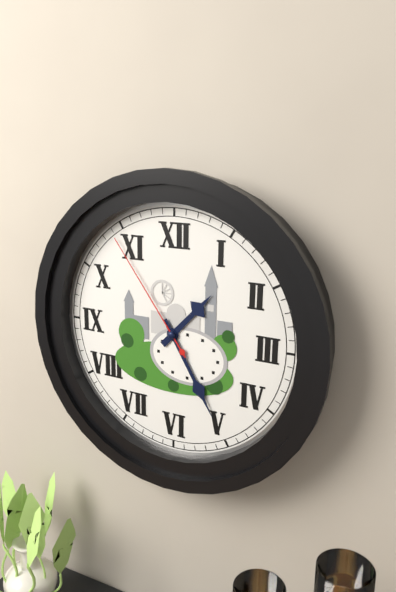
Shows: 1,25,54
